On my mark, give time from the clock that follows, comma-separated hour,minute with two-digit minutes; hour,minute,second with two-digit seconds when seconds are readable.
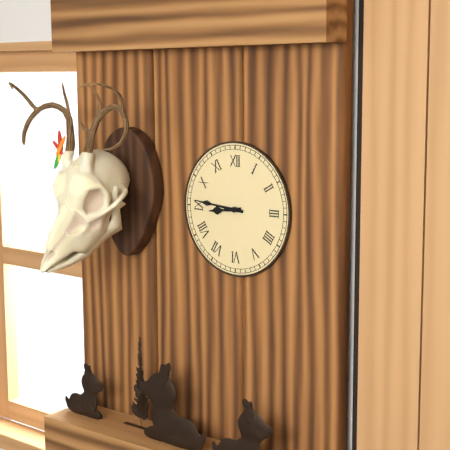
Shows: 8,46
